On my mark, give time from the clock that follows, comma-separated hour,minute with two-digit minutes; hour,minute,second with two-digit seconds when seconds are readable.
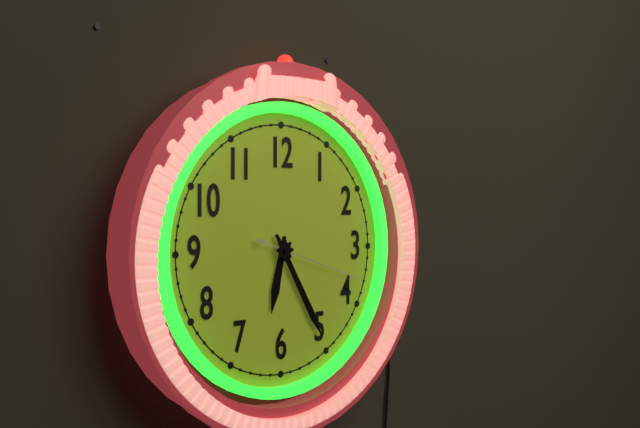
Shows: 6,25,18
